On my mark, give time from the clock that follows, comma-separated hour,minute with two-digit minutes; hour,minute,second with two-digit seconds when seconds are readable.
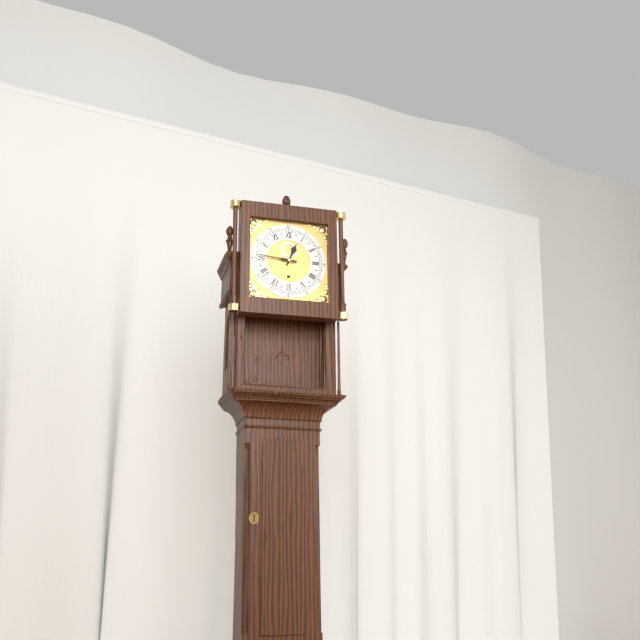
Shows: 12,46
